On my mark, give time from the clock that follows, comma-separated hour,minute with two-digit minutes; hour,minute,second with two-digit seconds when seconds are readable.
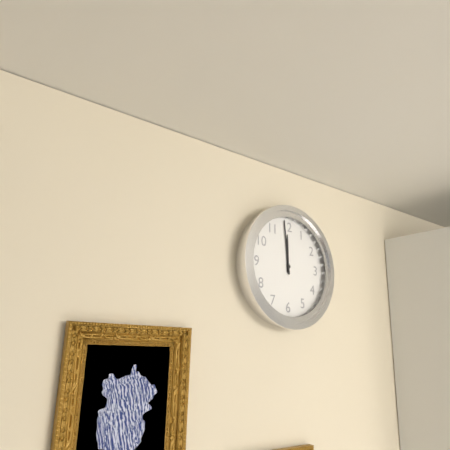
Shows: 11,59
